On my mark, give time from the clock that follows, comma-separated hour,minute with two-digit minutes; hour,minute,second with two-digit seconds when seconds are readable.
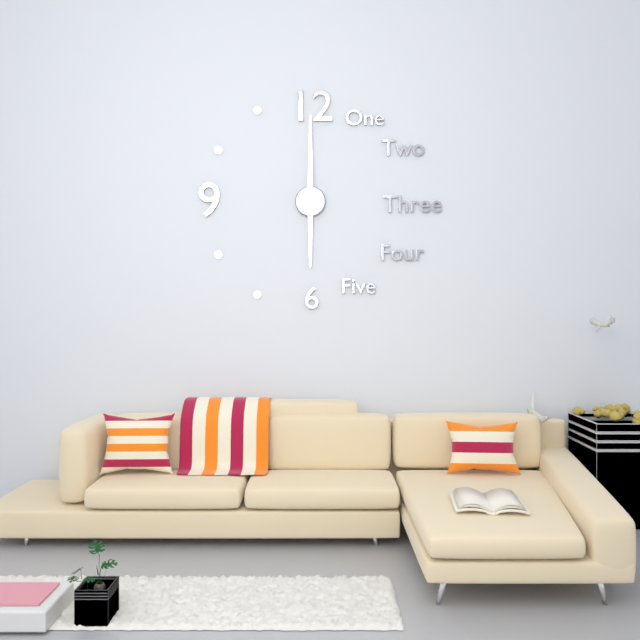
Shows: 6,00
